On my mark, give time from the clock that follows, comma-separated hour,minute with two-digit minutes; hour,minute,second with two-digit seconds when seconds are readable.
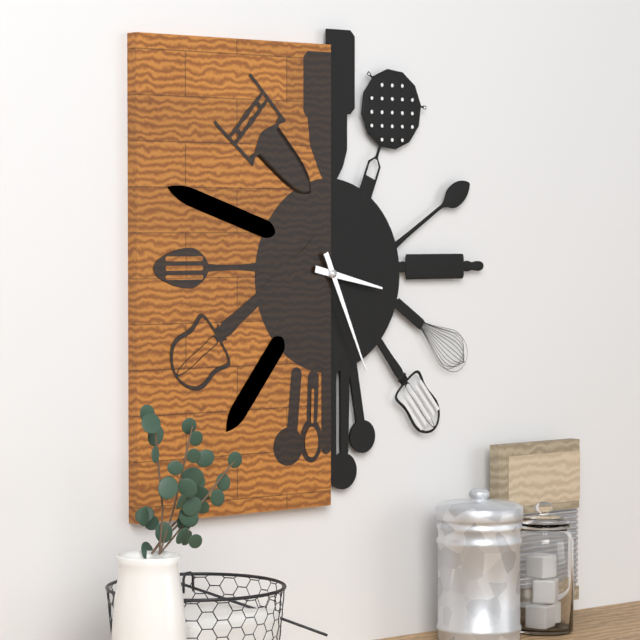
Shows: 3,26
